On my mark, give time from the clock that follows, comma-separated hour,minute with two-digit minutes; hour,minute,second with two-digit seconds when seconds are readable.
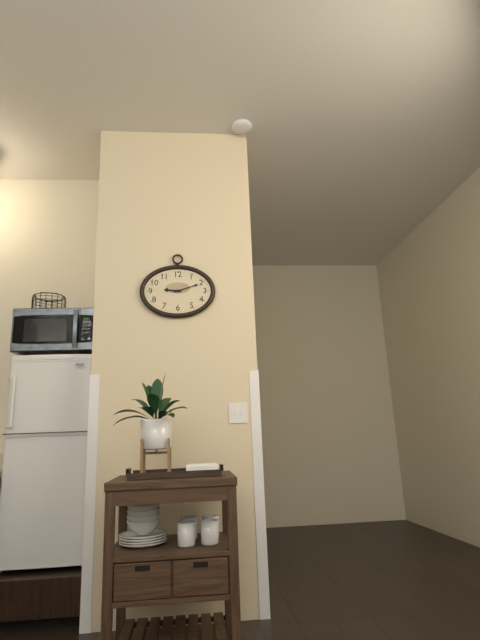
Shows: 9,12
